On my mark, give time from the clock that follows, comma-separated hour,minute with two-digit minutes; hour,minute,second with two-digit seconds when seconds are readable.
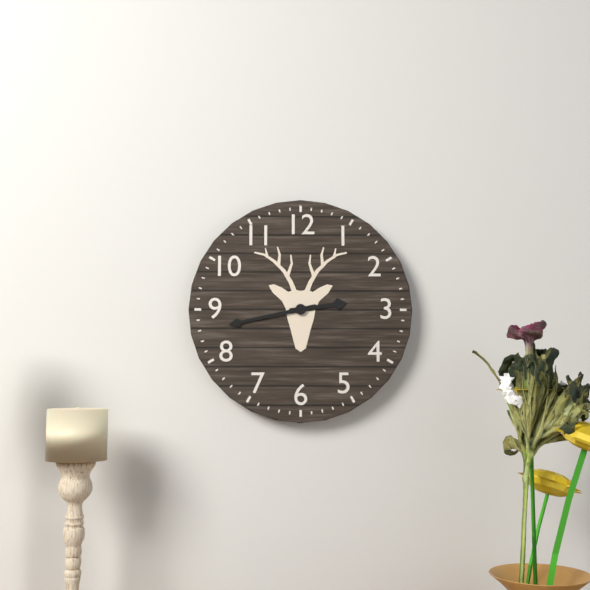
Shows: 2,43
